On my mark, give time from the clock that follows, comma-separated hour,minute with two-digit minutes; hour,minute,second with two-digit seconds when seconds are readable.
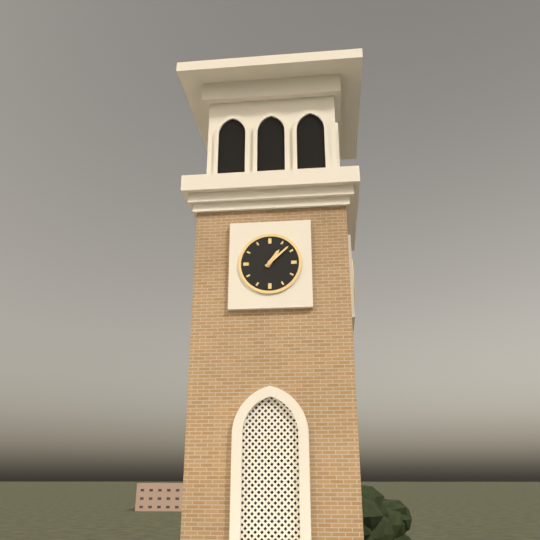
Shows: 1,08
